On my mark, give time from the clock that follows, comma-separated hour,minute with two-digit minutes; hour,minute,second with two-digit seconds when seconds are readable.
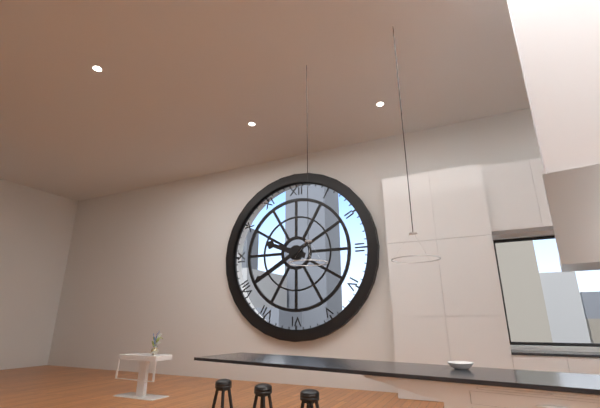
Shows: 9,40
